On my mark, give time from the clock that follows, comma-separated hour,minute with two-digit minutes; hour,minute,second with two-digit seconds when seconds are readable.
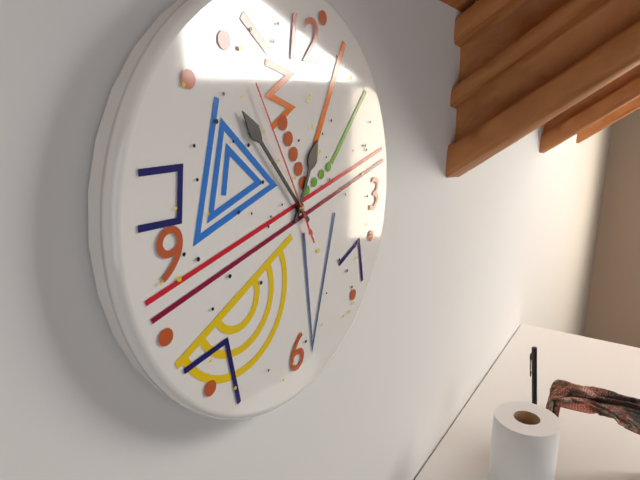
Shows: 12,53,55
